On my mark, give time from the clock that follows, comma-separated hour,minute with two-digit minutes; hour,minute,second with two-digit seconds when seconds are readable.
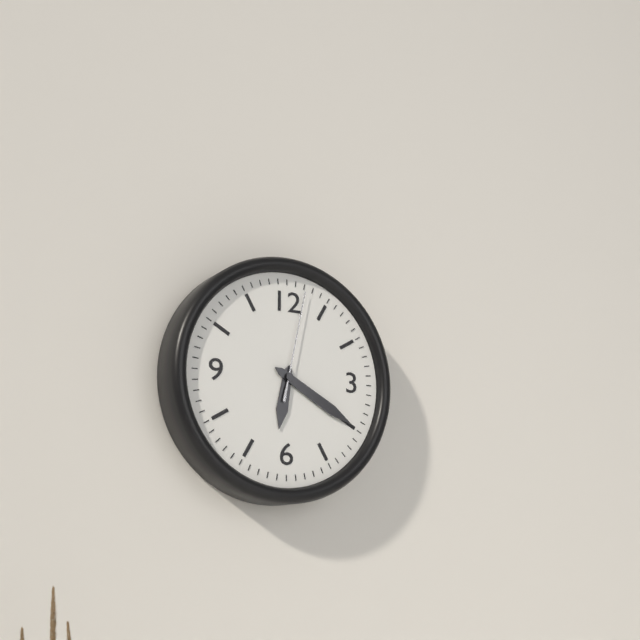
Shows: 6,20,02
